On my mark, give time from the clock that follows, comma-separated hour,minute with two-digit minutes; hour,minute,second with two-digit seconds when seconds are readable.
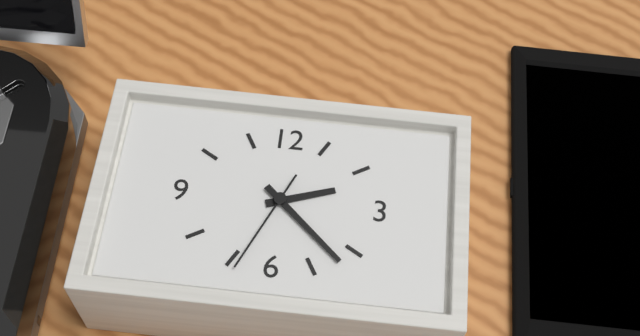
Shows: 2,22,34
